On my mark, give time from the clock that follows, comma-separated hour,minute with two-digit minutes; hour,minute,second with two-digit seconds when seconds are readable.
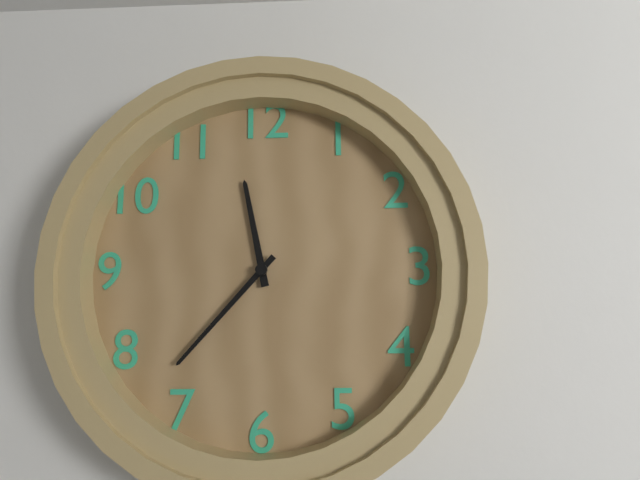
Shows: 11,37
